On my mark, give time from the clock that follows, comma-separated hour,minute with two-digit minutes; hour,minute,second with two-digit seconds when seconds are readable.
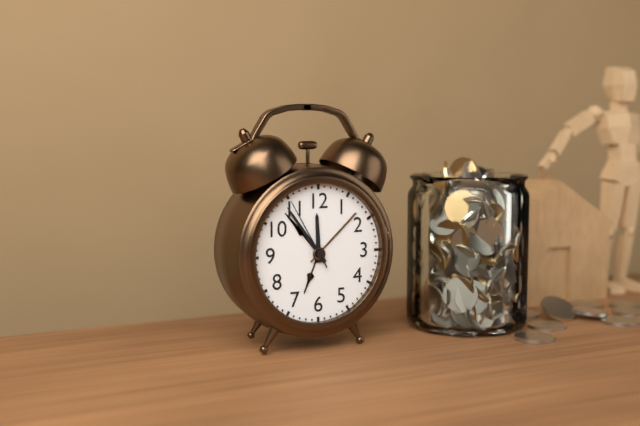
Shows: 11,54,55
